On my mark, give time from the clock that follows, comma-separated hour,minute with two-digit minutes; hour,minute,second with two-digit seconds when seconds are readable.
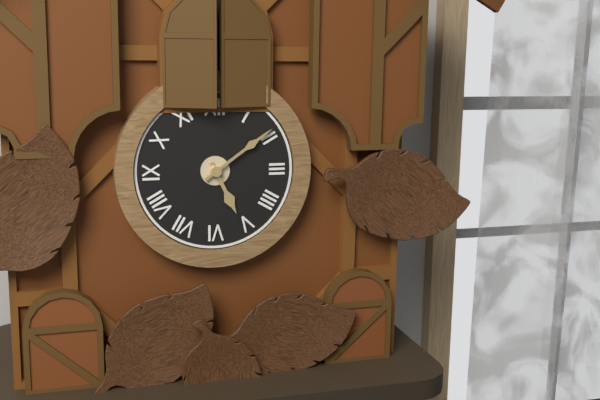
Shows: 5,09
